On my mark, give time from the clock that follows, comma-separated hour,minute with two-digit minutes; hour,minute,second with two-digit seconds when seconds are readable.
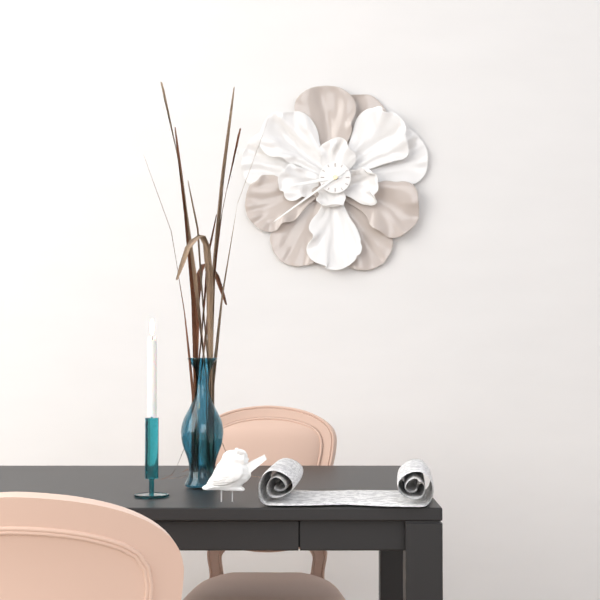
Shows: 8,39
